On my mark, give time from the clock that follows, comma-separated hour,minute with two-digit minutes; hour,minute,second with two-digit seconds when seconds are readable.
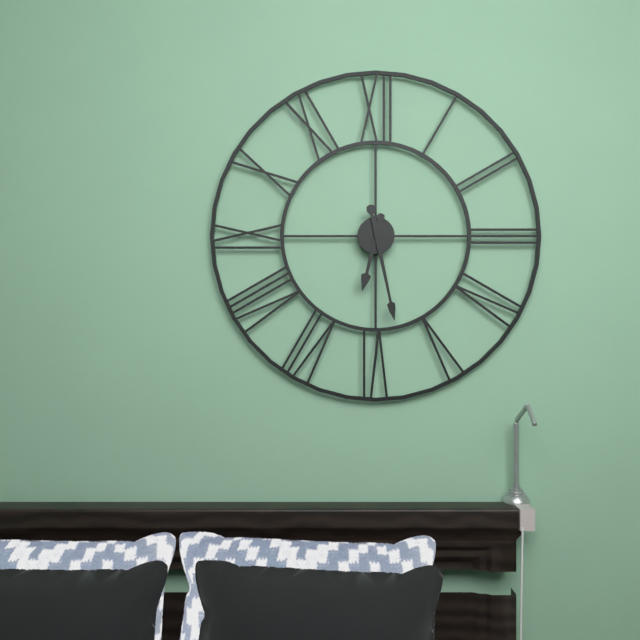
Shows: 6,28
